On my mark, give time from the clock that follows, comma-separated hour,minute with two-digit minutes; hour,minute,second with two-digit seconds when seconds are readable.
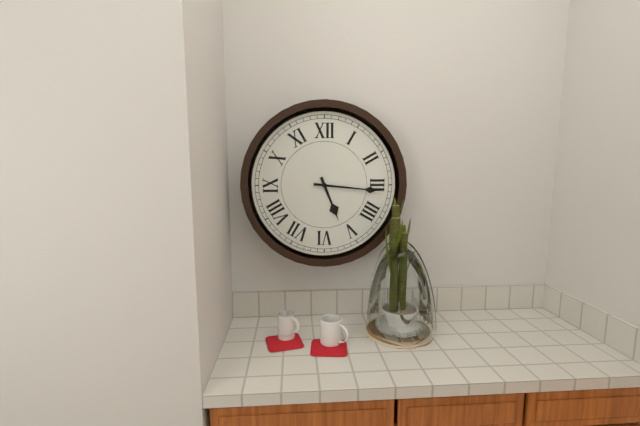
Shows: 5,16
